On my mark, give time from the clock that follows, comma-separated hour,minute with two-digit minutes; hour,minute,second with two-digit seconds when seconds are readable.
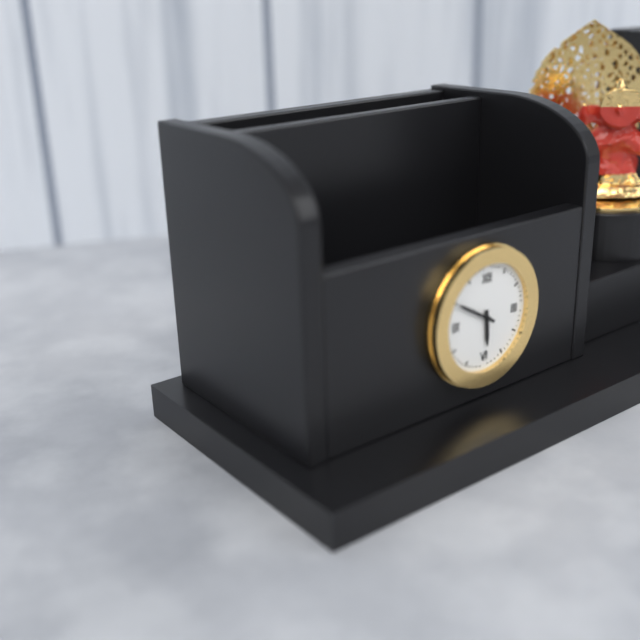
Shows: 5,50
